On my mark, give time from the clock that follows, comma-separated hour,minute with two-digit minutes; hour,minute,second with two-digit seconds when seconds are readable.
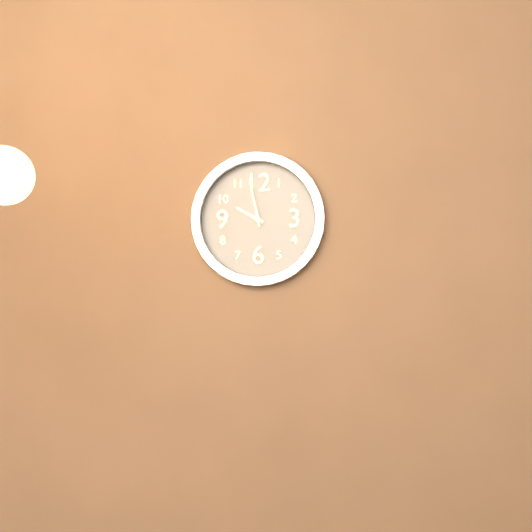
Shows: 9,58
